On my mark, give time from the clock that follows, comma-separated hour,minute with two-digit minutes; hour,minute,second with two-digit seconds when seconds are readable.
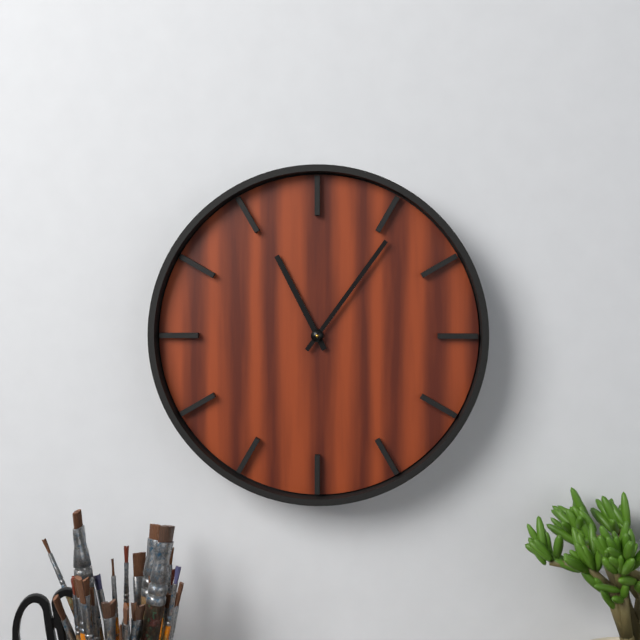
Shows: 11,06
